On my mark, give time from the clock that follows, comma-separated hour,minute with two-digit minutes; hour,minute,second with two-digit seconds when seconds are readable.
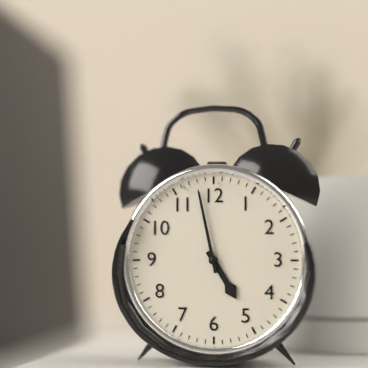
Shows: 4,58
